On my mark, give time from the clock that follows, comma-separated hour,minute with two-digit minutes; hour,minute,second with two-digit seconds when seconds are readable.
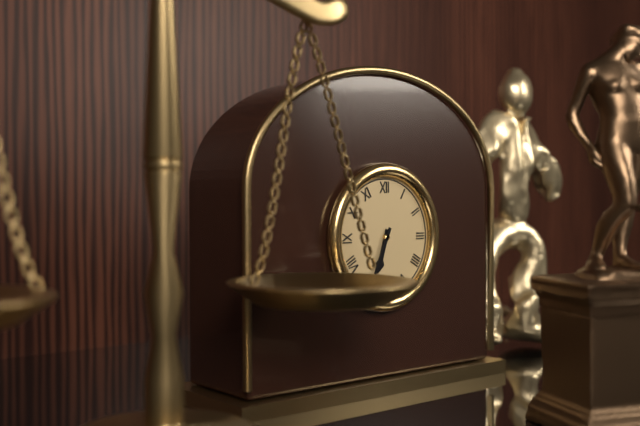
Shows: 6,34
